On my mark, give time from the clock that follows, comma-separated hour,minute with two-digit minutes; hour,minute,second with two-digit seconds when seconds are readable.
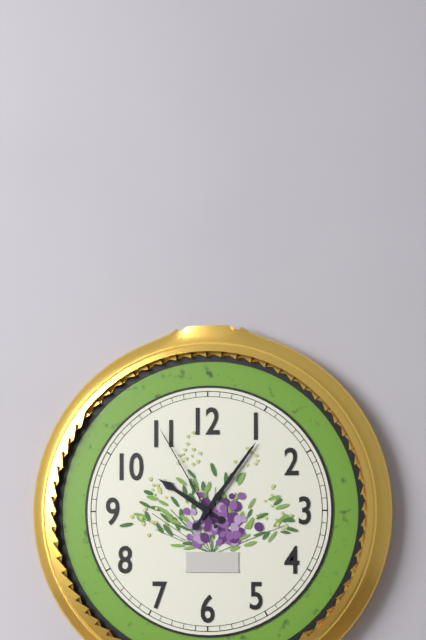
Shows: 10,06,55
